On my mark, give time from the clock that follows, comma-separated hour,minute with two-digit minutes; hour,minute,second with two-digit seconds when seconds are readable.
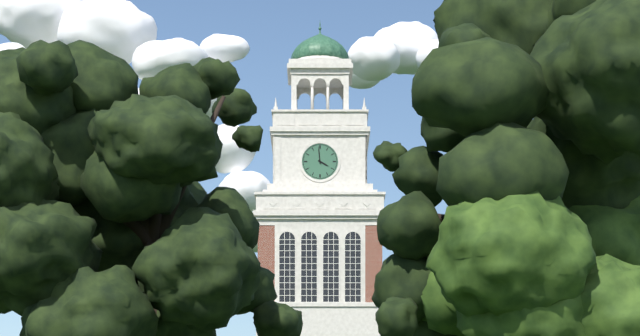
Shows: 3,59
